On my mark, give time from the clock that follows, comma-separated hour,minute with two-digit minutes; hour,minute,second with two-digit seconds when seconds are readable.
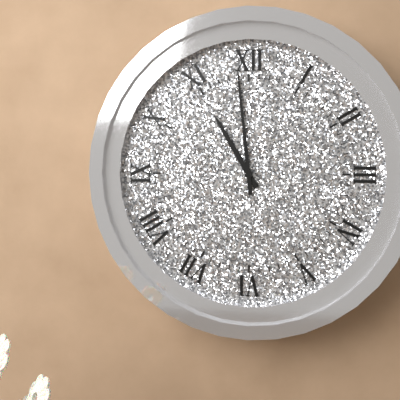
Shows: 10,59
